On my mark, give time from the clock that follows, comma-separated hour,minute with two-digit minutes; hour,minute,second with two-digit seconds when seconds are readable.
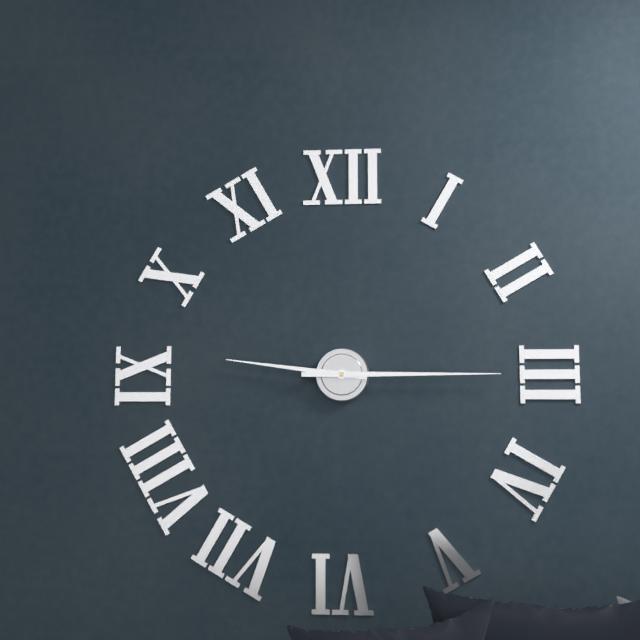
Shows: 9,15
